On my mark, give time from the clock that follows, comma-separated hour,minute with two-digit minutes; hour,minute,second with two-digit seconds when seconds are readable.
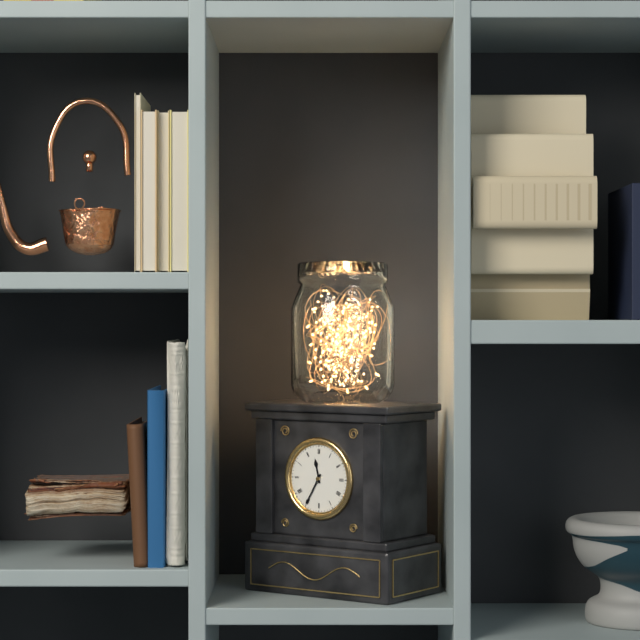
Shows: 11,35
